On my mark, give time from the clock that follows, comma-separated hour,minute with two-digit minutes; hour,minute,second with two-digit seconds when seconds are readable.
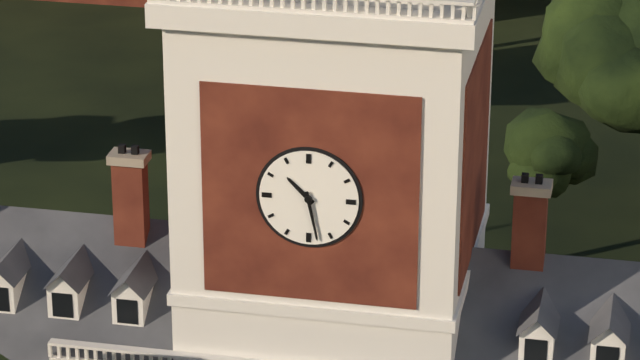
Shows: 10,28
